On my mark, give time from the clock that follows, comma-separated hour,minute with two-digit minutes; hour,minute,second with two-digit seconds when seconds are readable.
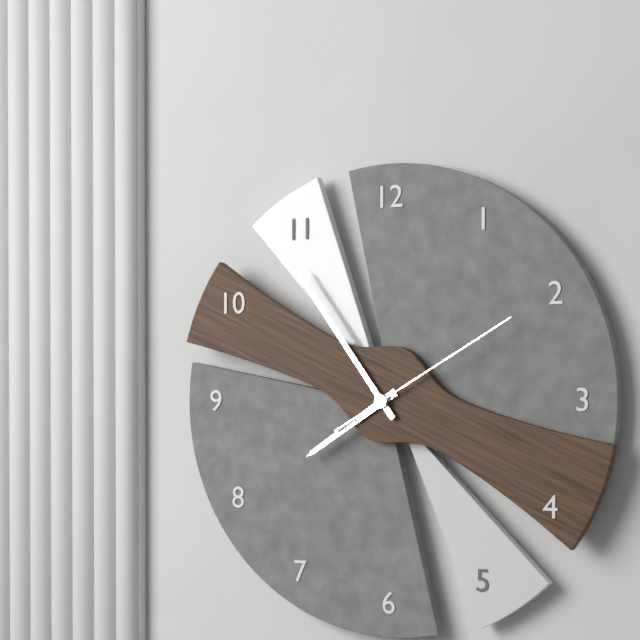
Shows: 7,54,10
